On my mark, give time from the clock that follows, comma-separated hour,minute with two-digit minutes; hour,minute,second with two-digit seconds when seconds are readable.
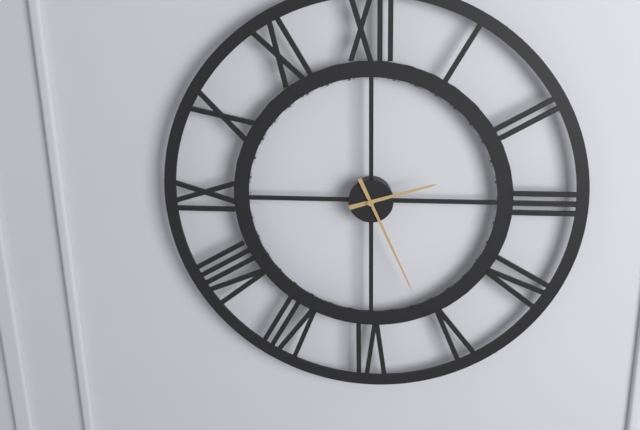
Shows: 2,26
